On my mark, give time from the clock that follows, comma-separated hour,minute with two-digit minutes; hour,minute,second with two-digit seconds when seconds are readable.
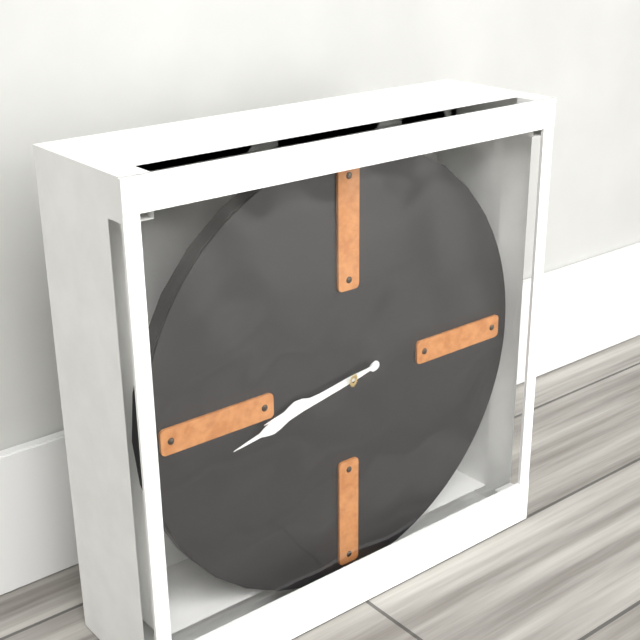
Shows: 8,43
